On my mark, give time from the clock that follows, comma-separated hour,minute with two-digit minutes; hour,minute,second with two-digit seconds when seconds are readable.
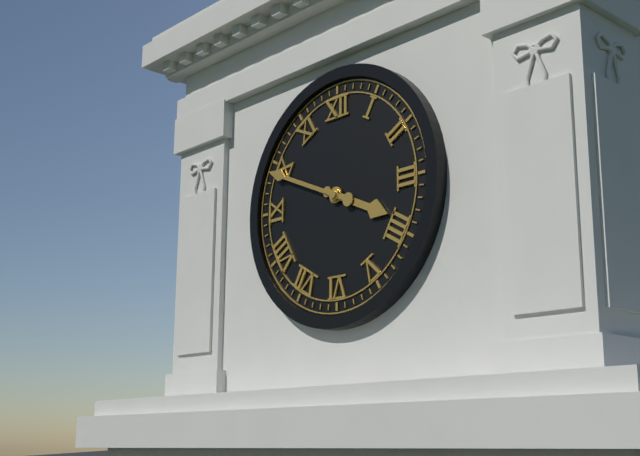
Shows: 3,49
